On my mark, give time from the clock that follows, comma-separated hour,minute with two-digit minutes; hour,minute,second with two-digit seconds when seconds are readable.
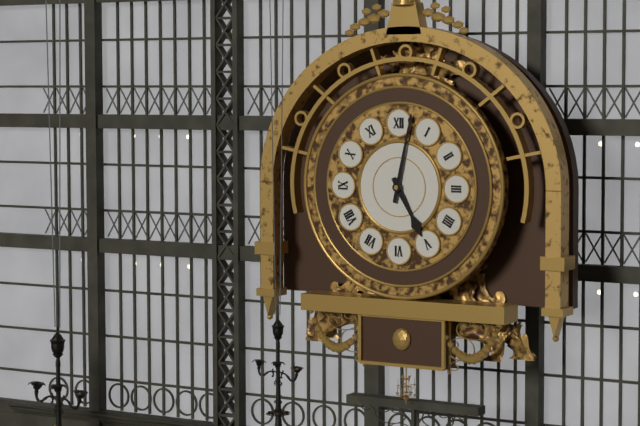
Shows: 5,02
